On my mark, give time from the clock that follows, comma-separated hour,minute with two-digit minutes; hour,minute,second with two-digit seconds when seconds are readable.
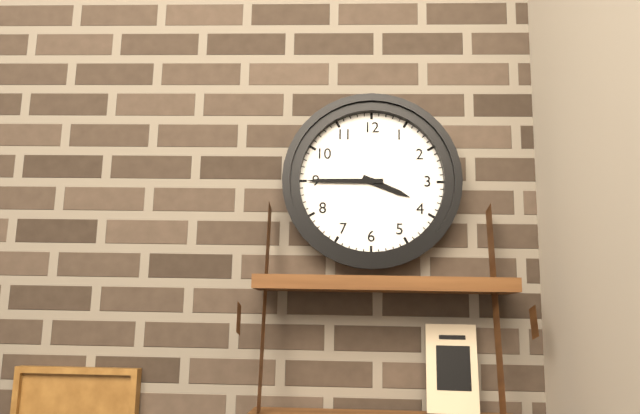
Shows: 3,45
